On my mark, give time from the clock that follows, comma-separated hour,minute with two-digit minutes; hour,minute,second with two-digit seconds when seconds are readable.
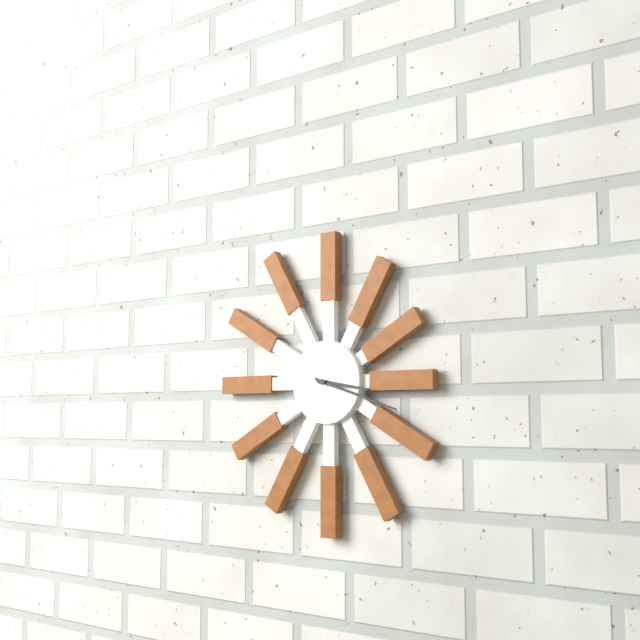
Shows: 3,18
